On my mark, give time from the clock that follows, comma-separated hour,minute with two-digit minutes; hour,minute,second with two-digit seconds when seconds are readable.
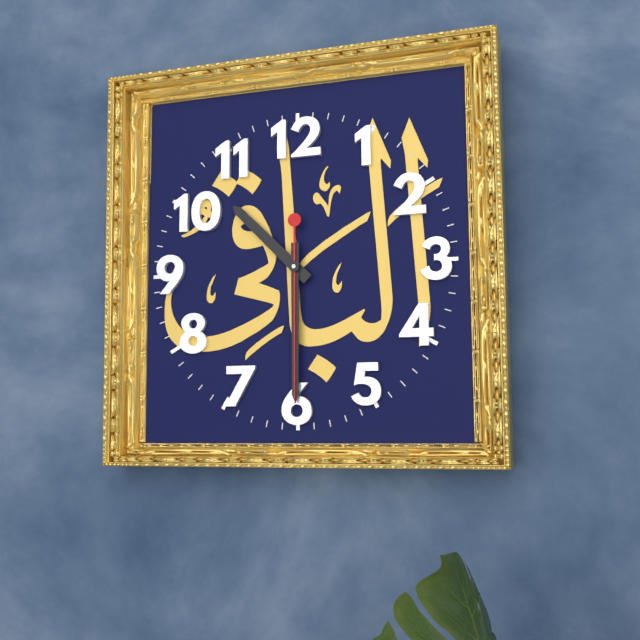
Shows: 10,30,30
